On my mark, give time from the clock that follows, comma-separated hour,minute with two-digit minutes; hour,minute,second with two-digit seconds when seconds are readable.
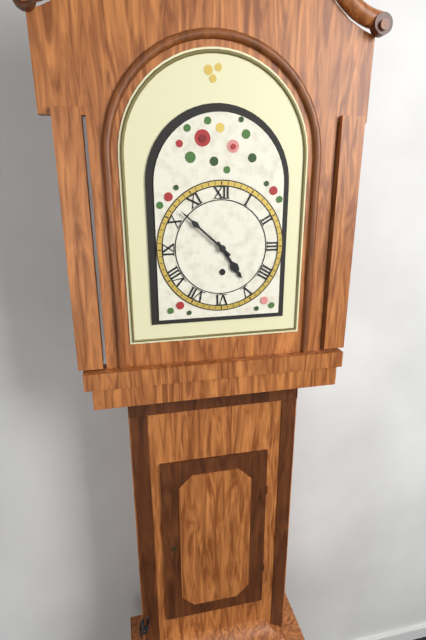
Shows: 4,52
